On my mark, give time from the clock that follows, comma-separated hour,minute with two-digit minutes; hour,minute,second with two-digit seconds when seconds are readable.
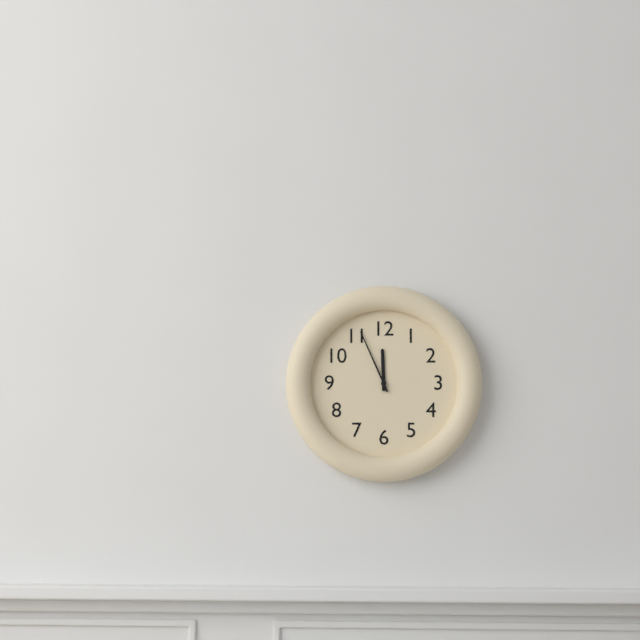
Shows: 11,56
